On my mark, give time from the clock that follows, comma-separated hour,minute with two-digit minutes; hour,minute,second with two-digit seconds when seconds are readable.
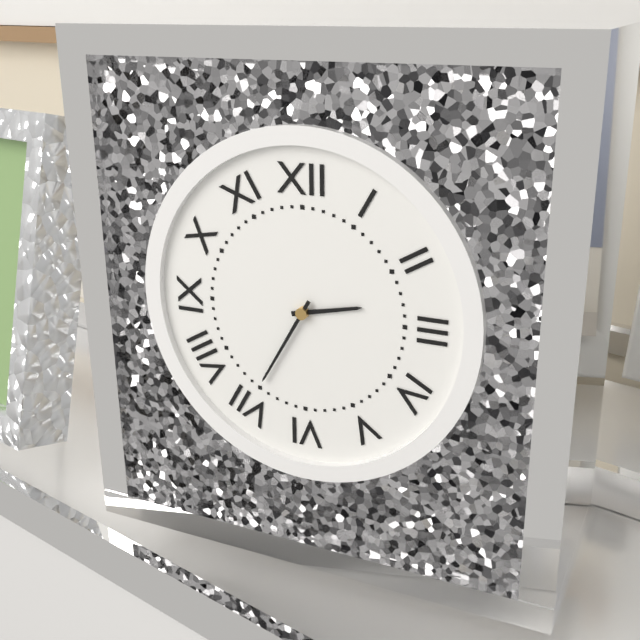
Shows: 2,35
